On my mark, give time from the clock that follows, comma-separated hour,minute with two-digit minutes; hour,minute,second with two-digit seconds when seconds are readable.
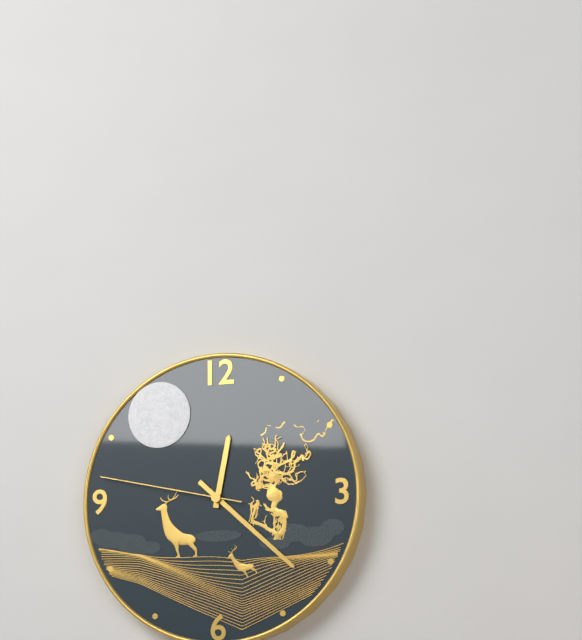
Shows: 12,22,47
